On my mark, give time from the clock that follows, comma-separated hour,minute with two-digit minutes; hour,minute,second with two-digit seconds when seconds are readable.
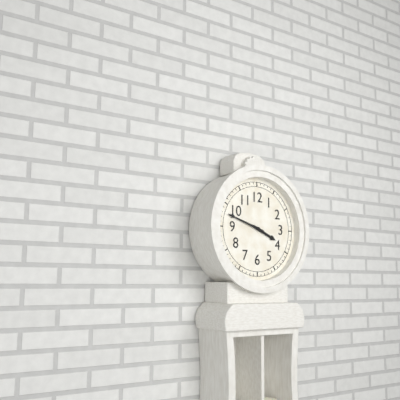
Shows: 3,48
